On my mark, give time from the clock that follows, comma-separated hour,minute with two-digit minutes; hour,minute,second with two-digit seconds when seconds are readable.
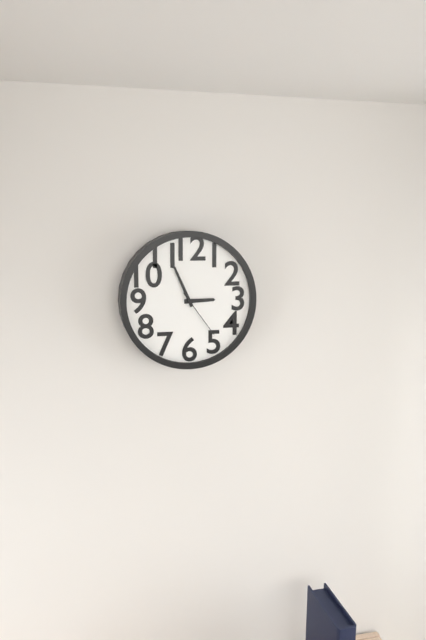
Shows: 2,56,24
